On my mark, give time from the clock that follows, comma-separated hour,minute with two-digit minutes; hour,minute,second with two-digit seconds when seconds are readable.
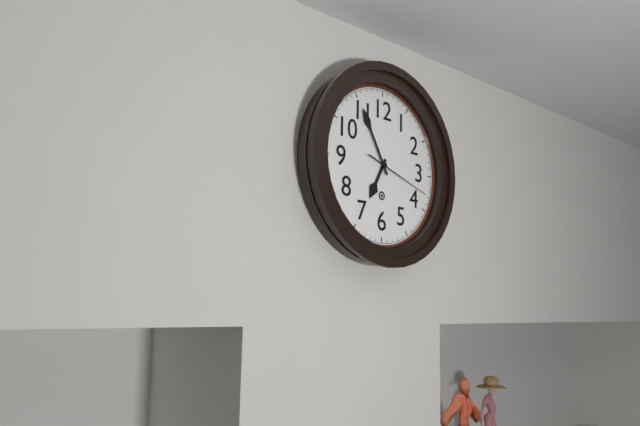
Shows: 6,55,18
